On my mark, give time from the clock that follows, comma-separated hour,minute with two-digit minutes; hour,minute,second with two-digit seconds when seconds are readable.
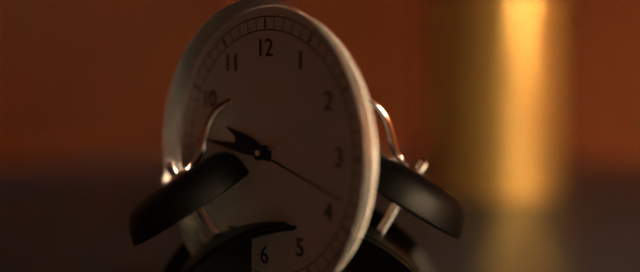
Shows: 9,46,18
